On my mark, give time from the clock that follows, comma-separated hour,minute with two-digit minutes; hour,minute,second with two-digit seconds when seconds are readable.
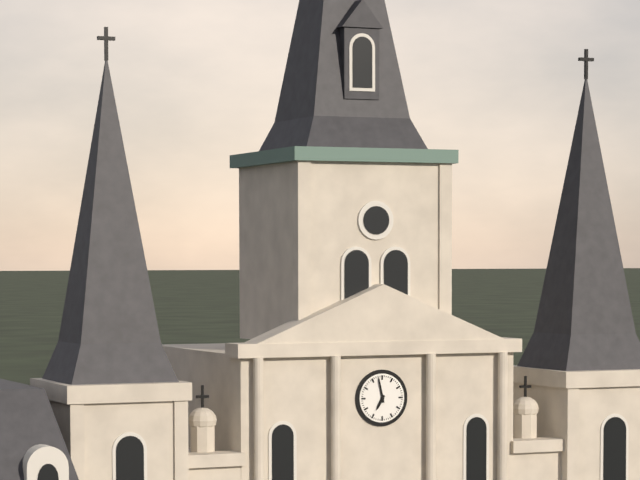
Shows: 6,58
